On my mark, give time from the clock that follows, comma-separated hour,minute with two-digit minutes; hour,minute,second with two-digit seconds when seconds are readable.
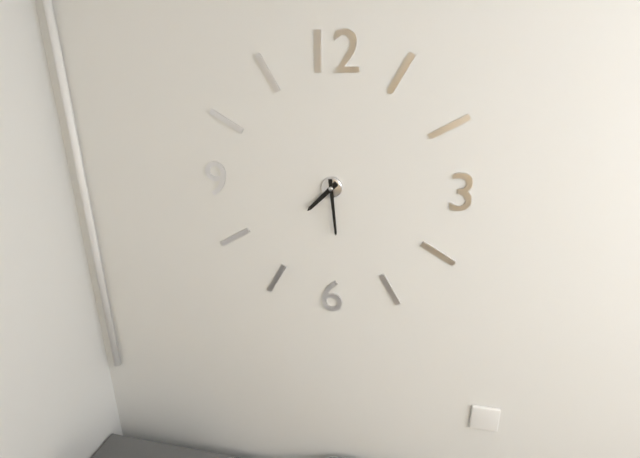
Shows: 7,29
